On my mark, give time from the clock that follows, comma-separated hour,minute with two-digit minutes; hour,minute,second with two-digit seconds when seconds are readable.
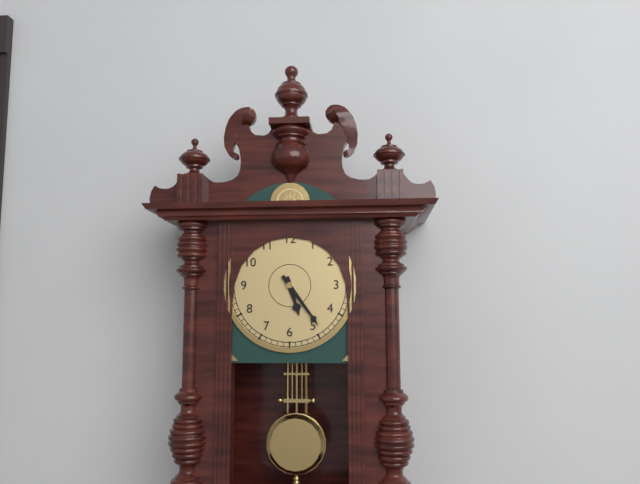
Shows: 5,24
